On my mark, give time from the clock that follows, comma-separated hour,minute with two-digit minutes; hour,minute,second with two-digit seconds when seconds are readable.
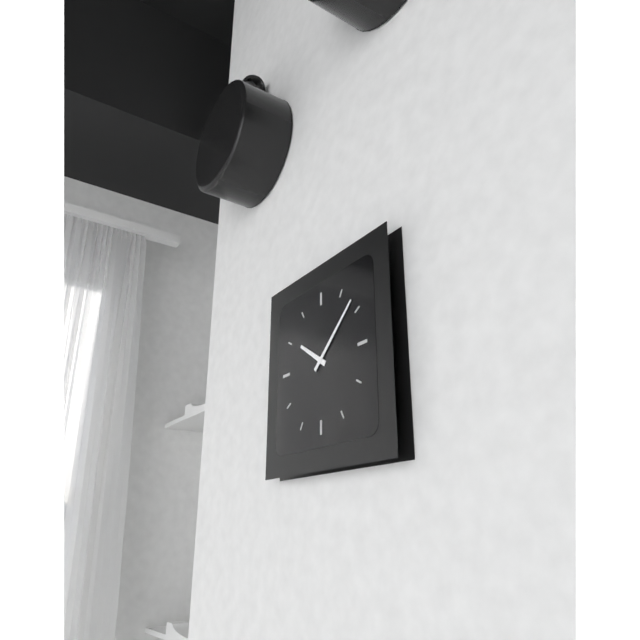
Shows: 10,08
